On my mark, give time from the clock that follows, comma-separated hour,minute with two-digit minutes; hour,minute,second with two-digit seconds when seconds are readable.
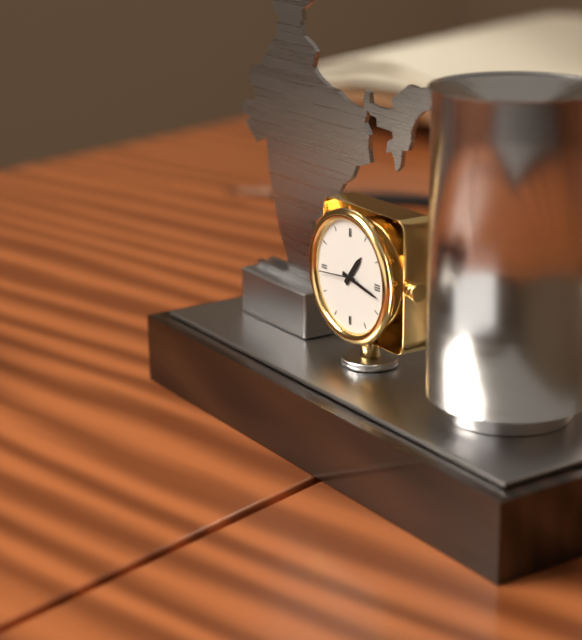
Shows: 1,17
